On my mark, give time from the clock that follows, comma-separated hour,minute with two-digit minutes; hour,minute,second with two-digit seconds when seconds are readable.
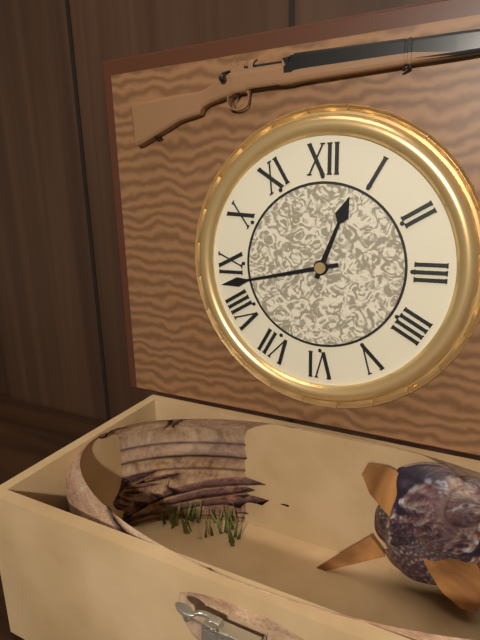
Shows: 12,43
